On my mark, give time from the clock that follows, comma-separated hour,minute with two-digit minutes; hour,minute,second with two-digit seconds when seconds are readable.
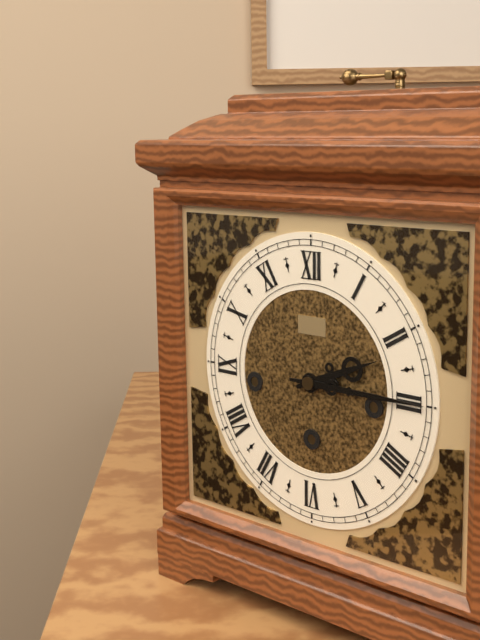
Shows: 2,15
